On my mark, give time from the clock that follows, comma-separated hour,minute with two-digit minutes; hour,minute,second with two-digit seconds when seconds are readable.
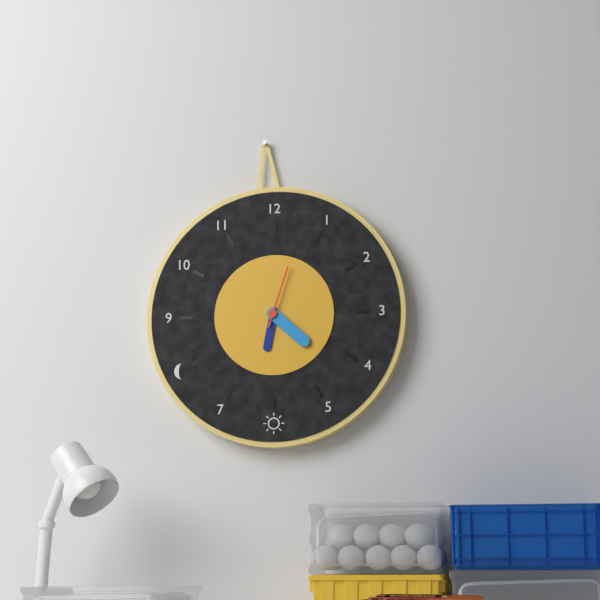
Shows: 6,22,03
